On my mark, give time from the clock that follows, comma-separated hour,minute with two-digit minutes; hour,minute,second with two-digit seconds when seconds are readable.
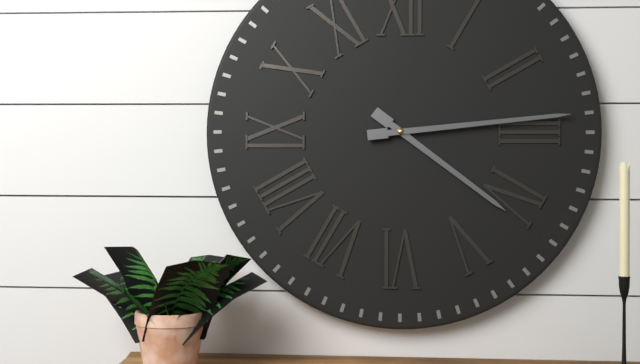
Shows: 4,14
